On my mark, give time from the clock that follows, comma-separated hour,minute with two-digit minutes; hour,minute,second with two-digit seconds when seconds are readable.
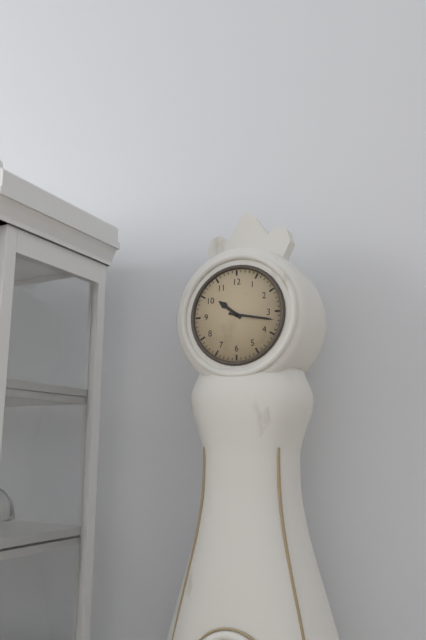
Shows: 10,17
